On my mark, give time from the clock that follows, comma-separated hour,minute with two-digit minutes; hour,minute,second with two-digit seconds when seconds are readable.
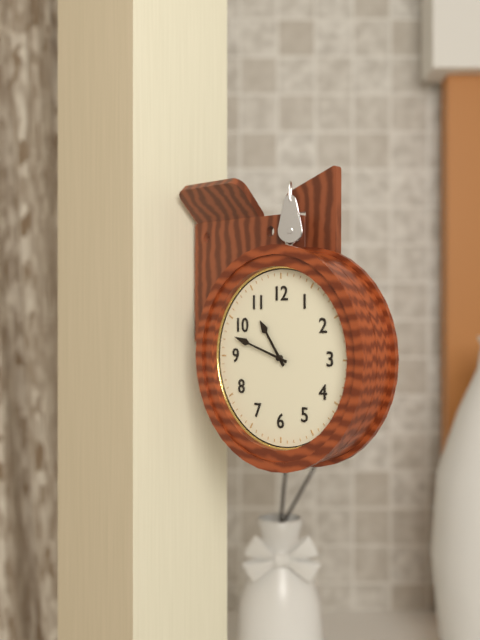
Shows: 10,48
